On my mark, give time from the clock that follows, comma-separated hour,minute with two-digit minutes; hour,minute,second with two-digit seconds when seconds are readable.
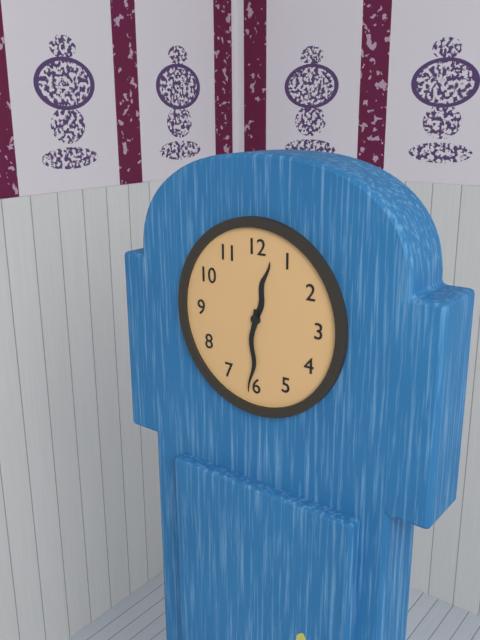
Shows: 12,31
